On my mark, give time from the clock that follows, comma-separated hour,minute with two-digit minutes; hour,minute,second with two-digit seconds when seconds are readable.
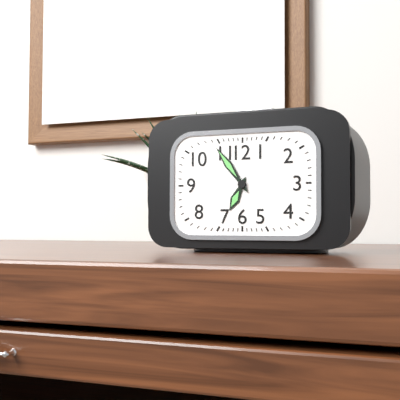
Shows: 6,54
